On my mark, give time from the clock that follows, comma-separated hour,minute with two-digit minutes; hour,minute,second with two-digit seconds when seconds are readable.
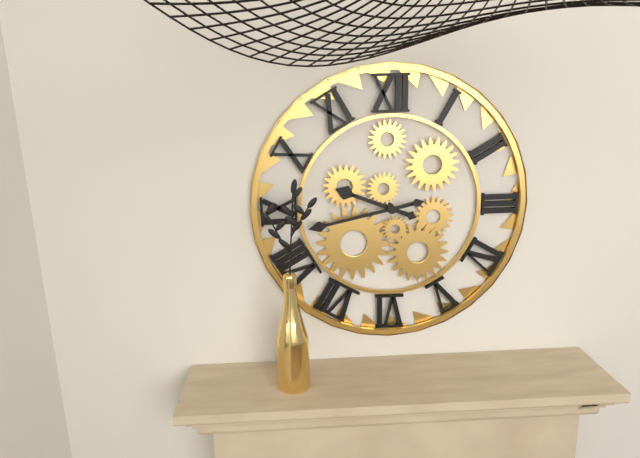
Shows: 9,43
